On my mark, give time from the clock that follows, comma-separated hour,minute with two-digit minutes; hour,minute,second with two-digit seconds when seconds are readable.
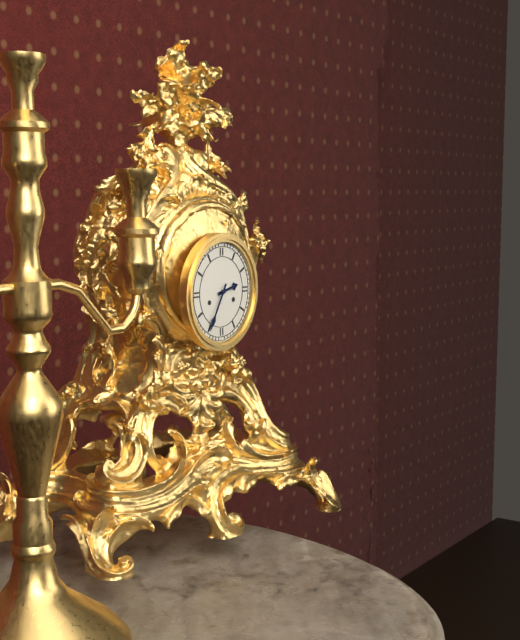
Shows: 2,35
